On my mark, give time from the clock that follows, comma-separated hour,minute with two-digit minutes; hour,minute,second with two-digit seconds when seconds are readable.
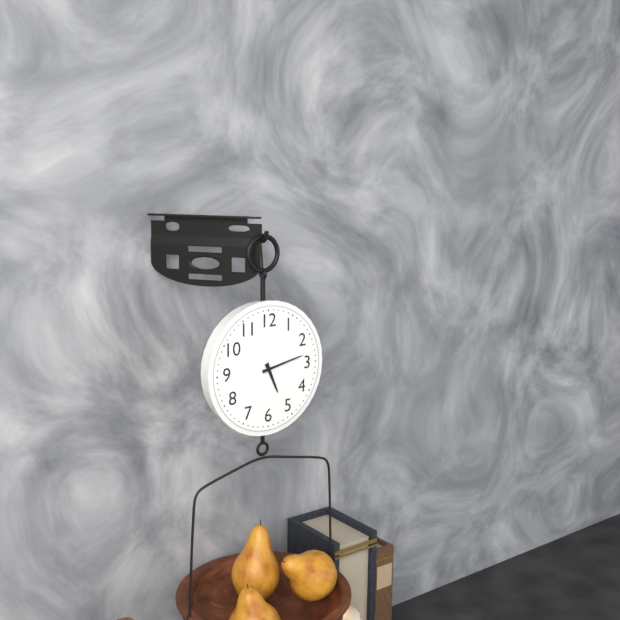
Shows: 5,13
